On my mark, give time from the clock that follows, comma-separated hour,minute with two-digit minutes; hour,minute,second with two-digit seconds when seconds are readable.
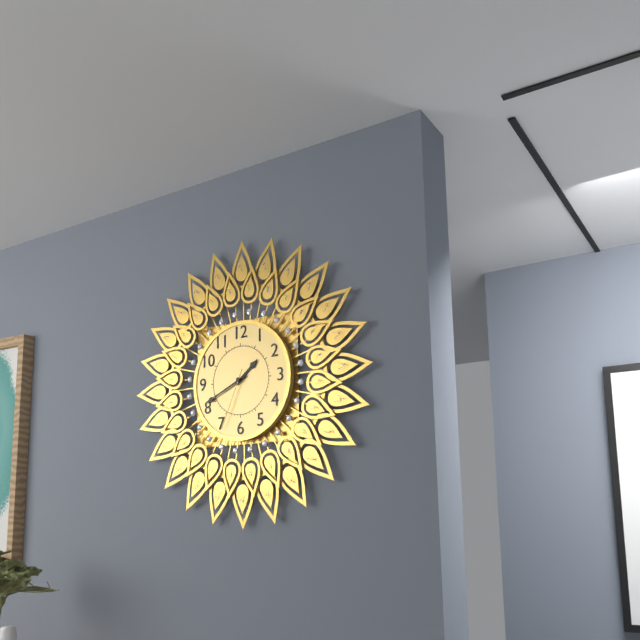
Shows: 1,41,34
